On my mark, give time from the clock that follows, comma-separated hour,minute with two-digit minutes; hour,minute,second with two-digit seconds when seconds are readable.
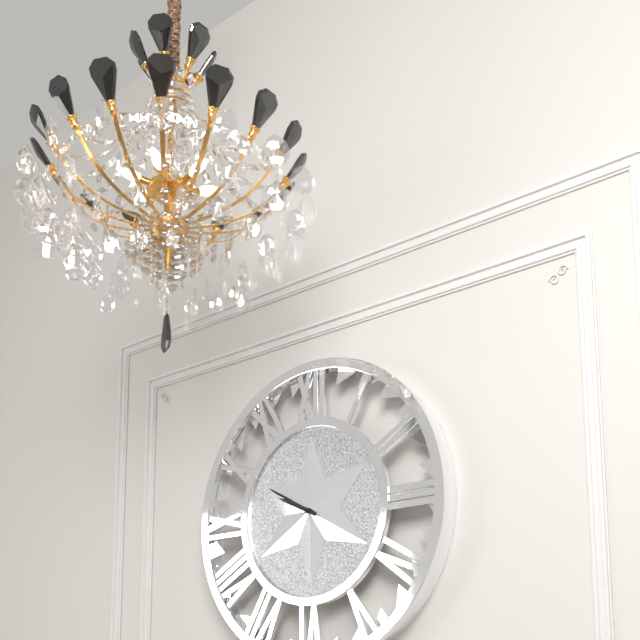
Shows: 9,50
